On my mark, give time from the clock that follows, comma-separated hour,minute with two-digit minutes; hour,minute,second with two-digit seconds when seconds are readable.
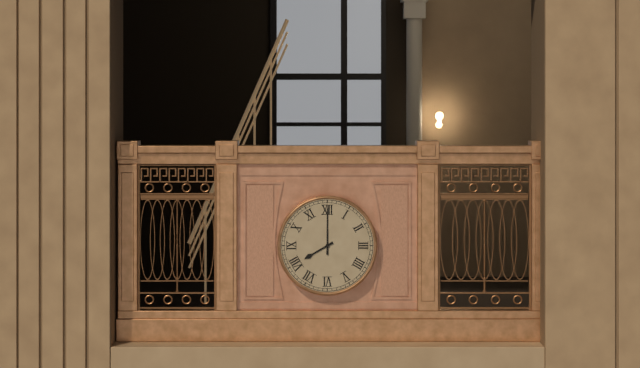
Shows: 8,00
